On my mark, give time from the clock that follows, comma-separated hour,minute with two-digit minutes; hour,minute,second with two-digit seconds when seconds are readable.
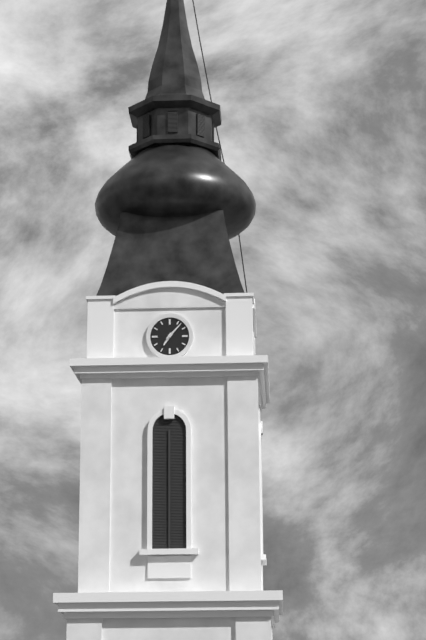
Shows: 7,07
